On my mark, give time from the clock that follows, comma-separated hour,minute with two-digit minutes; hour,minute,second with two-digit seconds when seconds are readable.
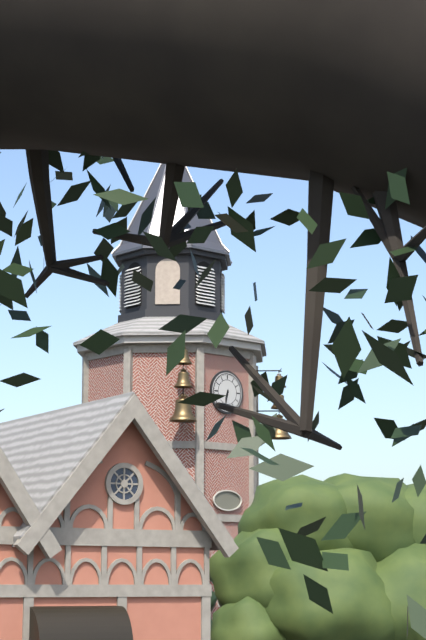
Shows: 6,32
